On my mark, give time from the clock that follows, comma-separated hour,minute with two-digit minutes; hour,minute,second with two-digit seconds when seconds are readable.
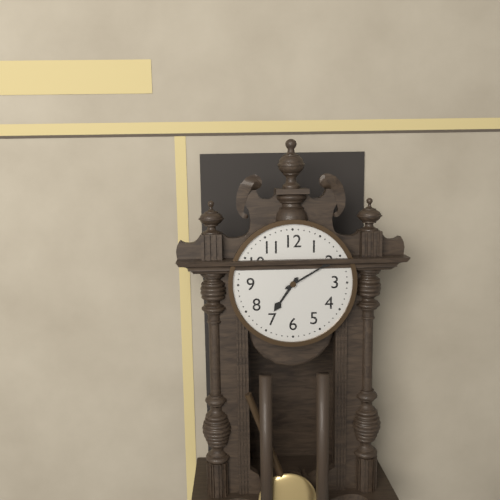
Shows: 7,10
